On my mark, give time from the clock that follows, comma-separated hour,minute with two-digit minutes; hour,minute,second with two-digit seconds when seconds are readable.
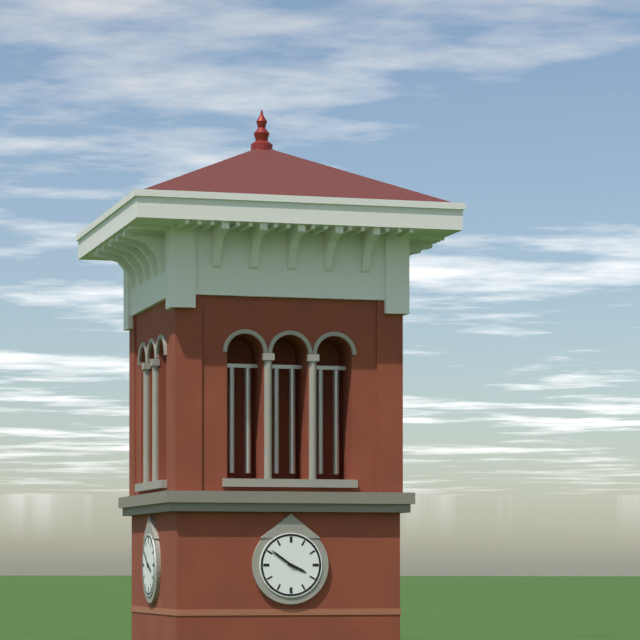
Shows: 3,51
